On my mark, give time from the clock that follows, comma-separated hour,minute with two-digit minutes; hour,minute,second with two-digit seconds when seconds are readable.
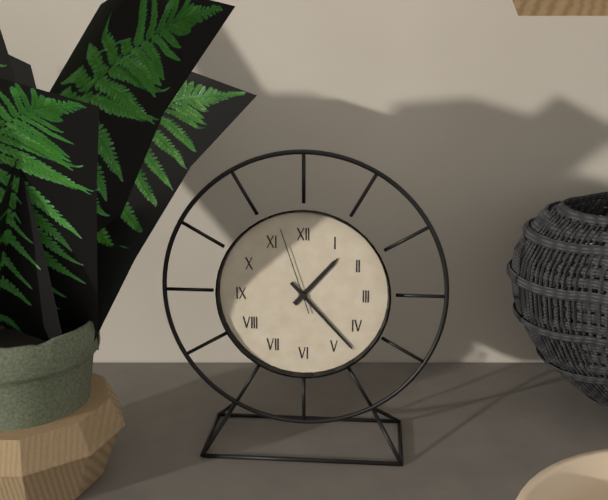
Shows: 1,23,57
